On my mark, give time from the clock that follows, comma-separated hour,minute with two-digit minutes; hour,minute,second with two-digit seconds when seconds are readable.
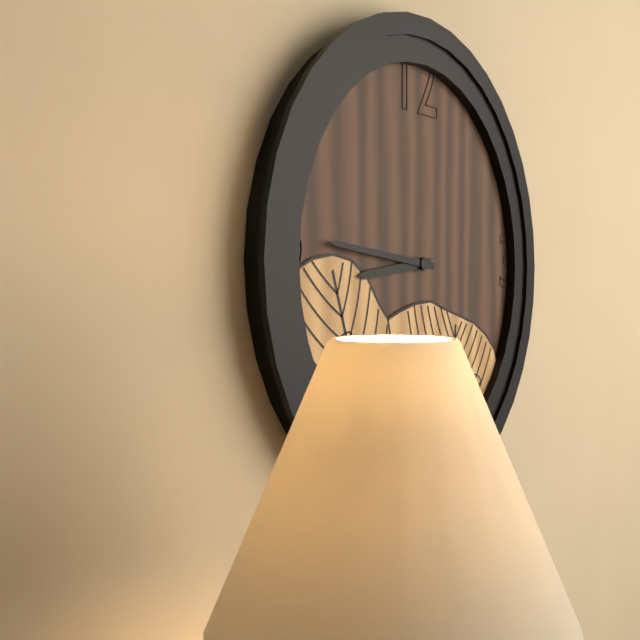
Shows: 8,46
